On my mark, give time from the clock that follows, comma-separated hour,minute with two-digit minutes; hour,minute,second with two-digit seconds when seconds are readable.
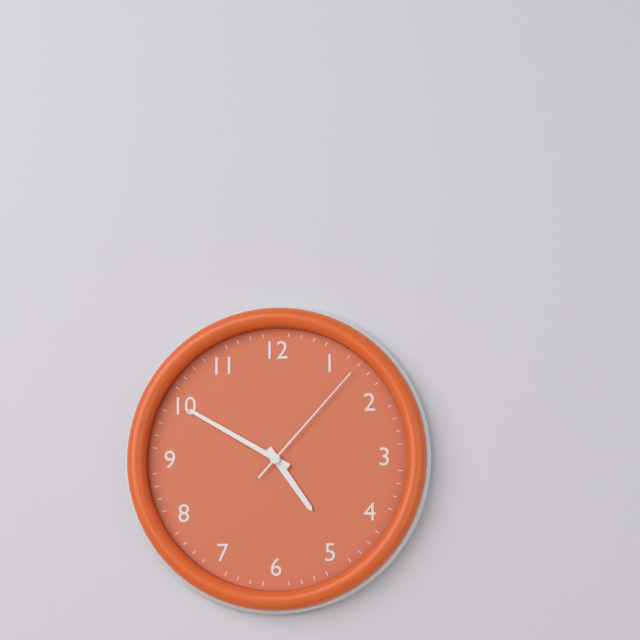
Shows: 4,50,07
